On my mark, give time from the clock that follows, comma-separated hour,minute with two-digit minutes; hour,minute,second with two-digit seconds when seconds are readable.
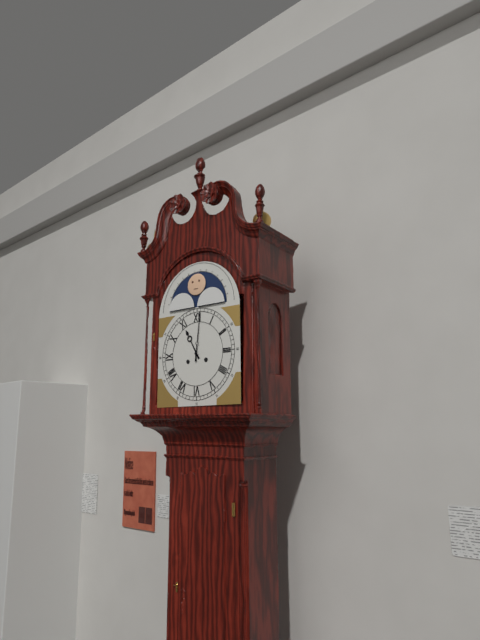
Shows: 11,01
